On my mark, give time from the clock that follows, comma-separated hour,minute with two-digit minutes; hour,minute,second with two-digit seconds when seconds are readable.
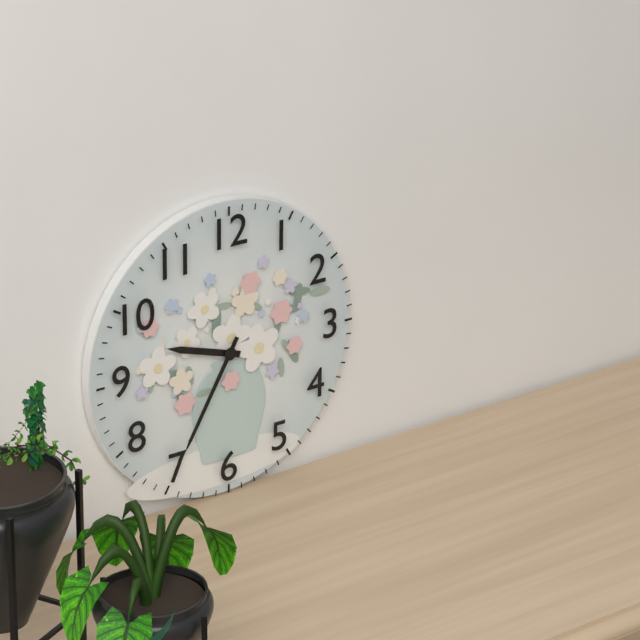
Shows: 9,35
